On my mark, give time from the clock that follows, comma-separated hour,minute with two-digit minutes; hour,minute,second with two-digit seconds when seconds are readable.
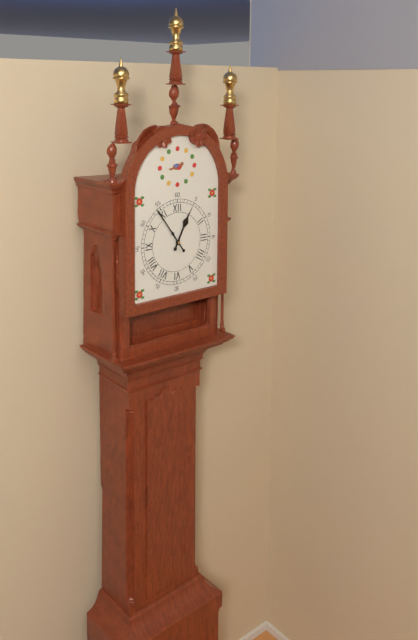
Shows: 12,54
